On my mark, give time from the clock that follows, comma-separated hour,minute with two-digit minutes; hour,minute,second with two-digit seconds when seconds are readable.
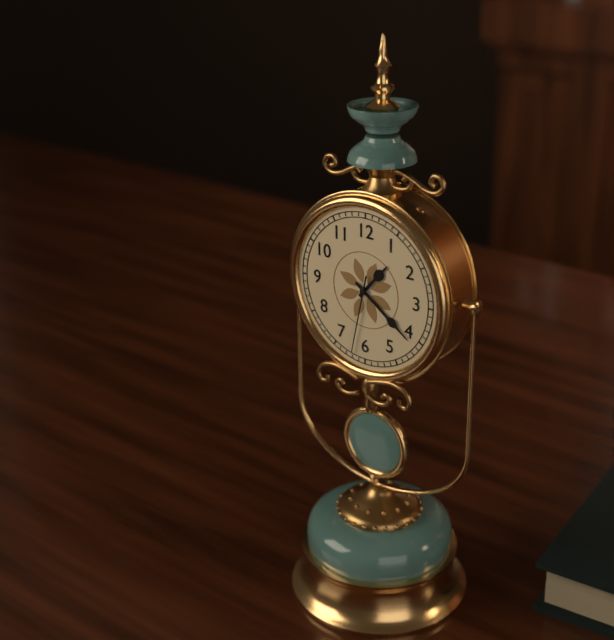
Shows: 1,21,32
